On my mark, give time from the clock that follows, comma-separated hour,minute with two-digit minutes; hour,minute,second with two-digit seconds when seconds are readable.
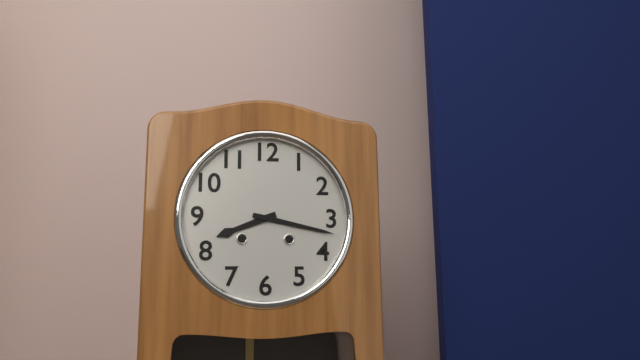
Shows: 8,17
